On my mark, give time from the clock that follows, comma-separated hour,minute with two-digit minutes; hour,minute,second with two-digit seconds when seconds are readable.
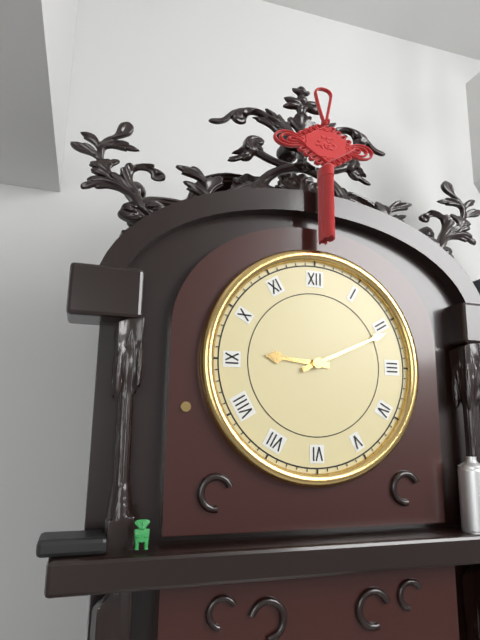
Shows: 9,11
